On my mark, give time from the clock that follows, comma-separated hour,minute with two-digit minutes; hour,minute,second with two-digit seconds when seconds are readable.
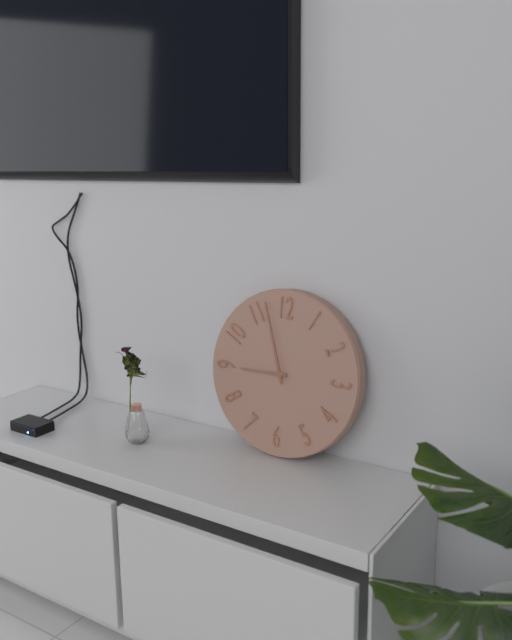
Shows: 8,57
